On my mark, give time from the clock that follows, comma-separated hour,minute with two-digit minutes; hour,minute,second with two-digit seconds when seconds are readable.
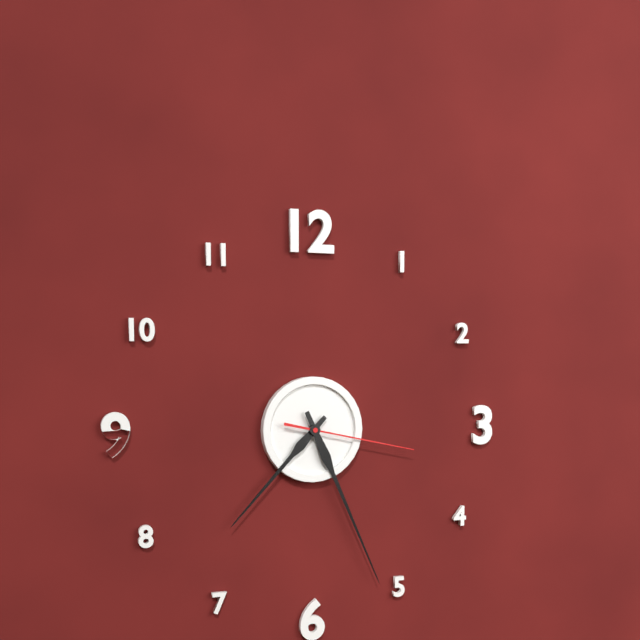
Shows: 7,26,17
